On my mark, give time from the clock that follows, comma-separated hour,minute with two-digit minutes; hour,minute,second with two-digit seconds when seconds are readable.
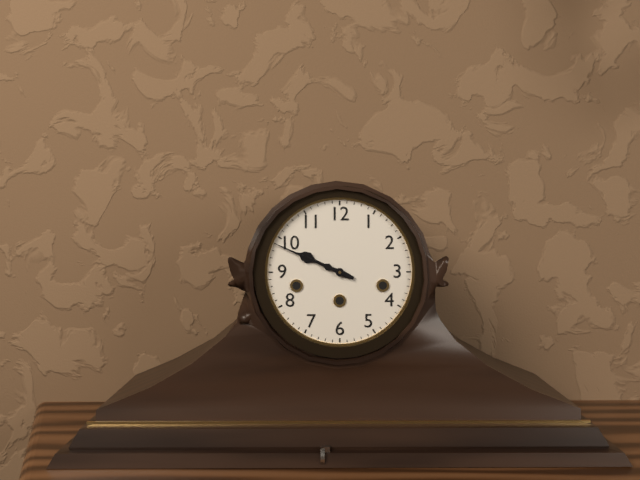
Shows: 9,49
